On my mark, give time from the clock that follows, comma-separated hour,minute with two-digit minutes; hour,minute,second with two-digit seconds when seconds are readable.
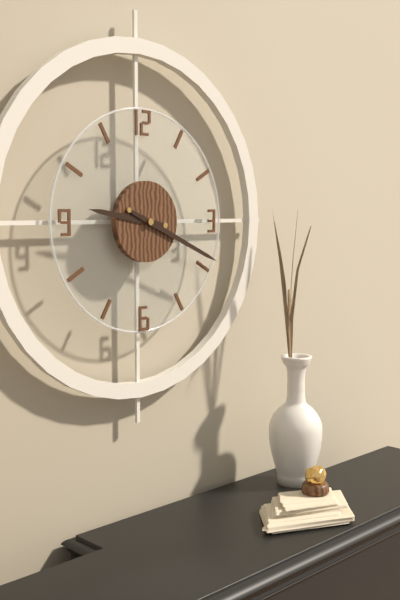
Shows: 9,19
